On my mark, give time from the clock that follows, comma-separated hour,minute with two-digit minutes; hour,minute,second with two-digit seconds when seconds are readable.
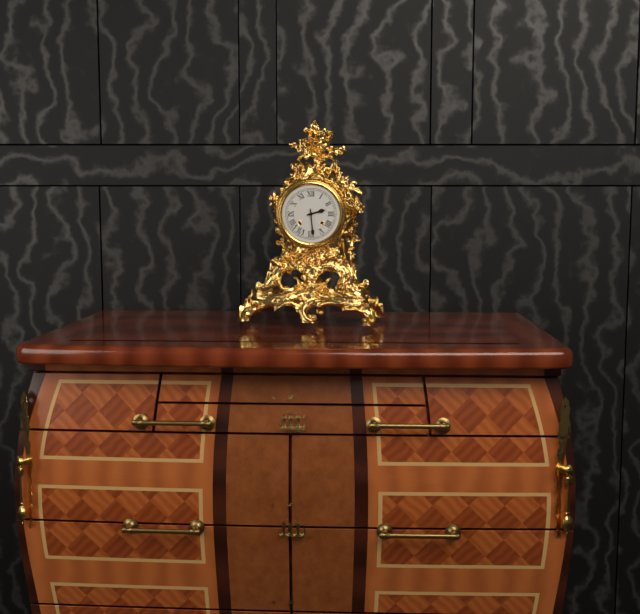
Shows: 2,29
